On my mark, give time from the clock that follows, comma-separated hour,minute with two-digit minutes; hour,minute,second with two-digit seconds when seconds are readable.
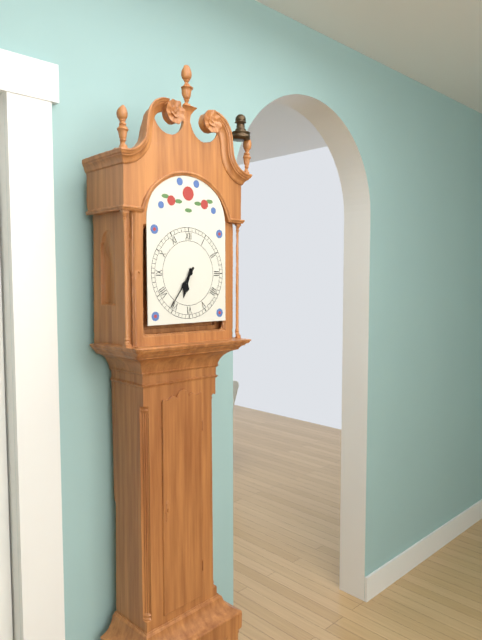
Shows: 6,36
